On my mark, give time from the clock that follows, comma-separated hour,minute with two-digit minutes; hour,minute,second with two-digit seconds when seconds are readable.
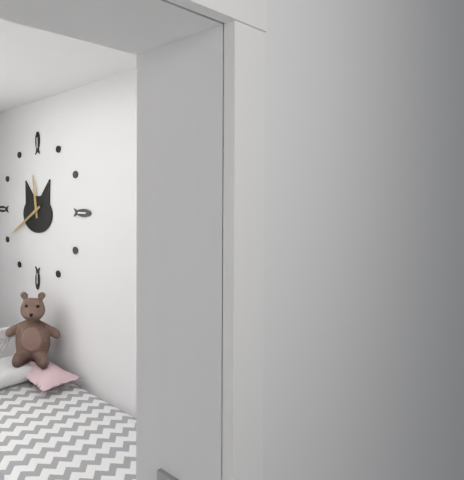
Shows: 11,40
